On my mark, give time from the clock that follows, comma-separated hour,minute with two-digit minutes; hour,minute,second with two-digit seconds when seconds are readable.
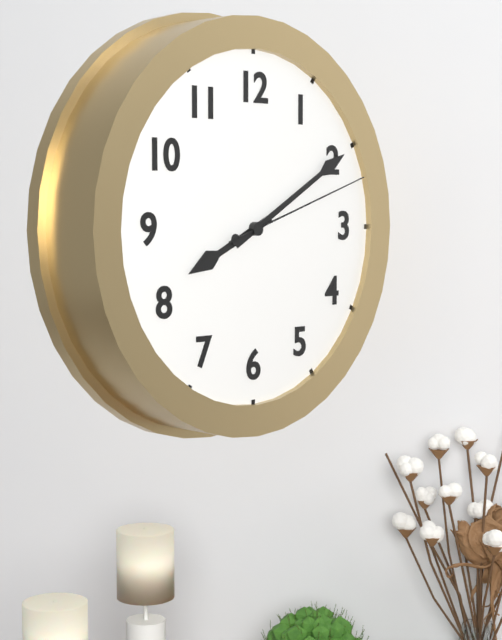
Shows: 8,10,12
